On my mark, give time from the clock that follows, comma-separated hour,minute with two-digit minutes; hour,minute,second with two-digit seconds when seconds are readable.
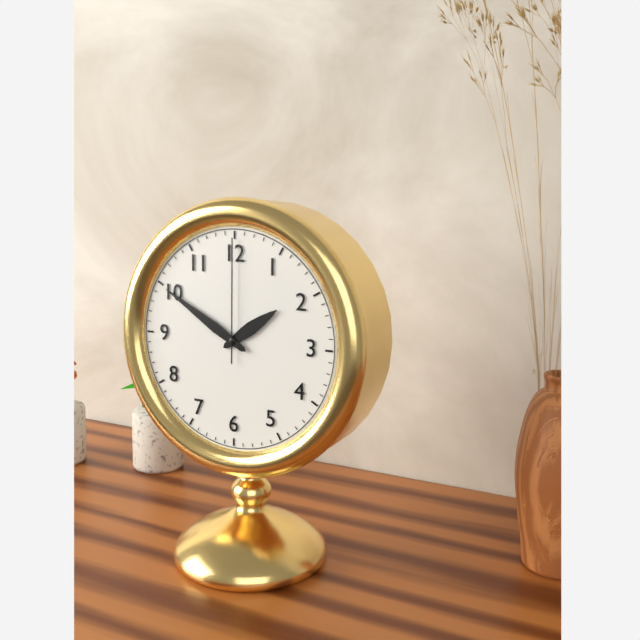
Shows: 1,50,00
